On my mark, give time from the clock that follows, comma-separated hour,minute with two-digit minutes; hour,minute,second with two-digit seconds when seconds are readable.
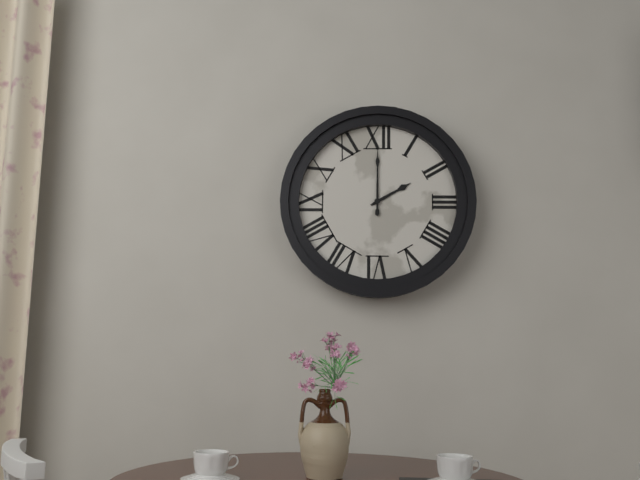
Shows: 2,00
